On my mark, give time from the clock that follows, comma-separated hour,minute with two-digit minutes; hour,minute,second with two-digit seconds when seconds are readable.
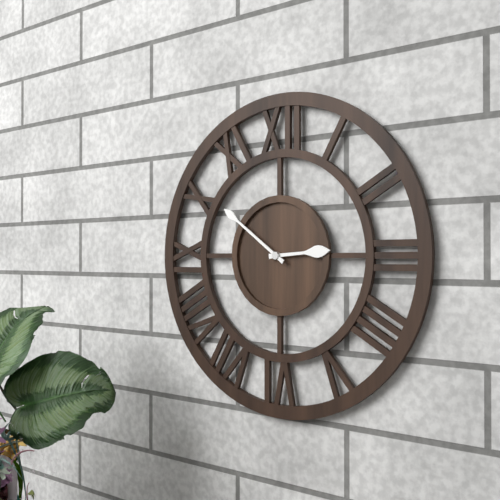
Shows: 2,51
